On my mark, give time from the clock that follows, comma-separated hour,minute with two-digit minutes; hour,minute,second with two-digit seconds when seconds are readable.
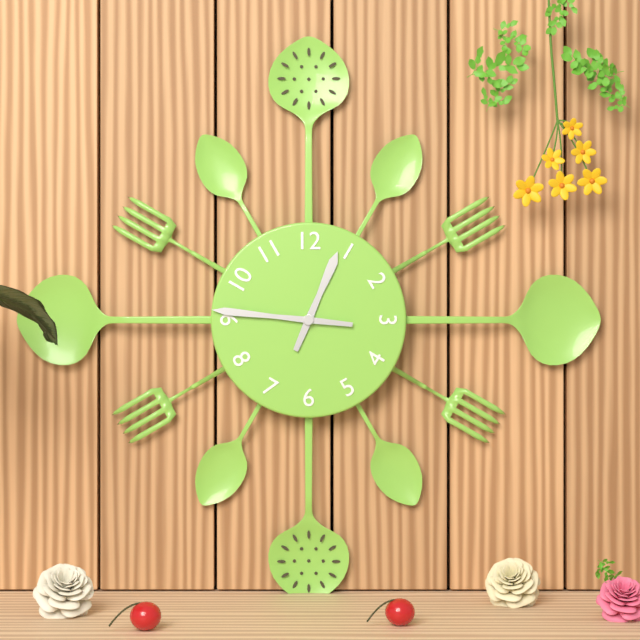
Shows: 12,46
